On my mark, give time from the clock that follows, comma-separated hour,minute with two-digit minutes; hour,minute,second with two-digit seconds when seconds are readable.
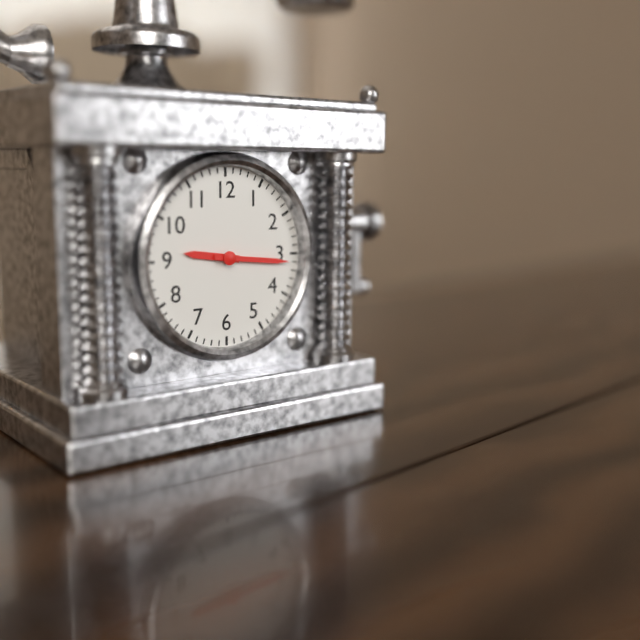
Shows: 9,16
